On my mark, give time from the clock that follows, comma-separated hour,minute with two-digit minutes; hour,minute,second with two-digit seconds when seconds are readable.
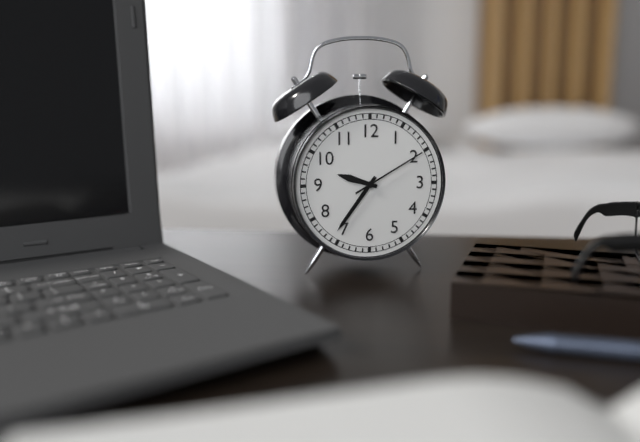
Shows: 9,36,10
